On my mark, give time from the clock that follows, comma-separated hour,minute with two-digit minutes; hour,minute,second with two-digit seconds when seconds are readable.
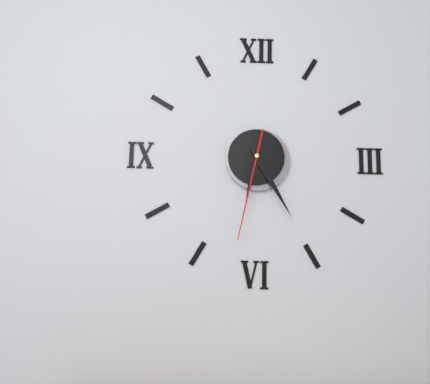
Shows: 6,25,32
